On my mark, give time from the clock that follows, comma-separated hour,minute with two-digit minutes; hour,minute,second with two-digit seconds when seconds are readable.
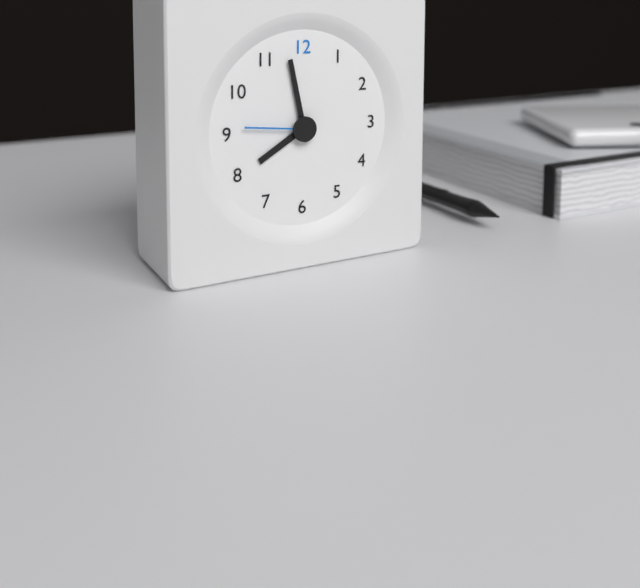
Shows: 7,58,46
